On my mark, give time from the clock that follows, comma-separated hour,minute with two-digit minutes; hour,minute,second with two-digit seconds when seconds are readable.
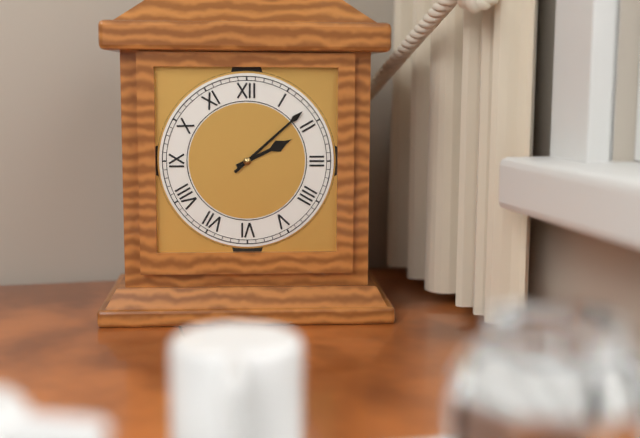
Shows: 2,08
